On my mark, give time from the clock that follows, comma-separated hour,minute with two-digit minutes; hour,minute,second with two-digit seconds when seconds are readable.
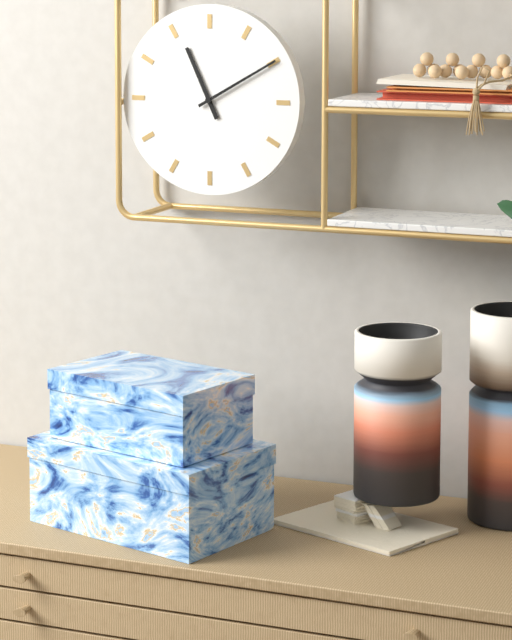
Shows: 11,10
